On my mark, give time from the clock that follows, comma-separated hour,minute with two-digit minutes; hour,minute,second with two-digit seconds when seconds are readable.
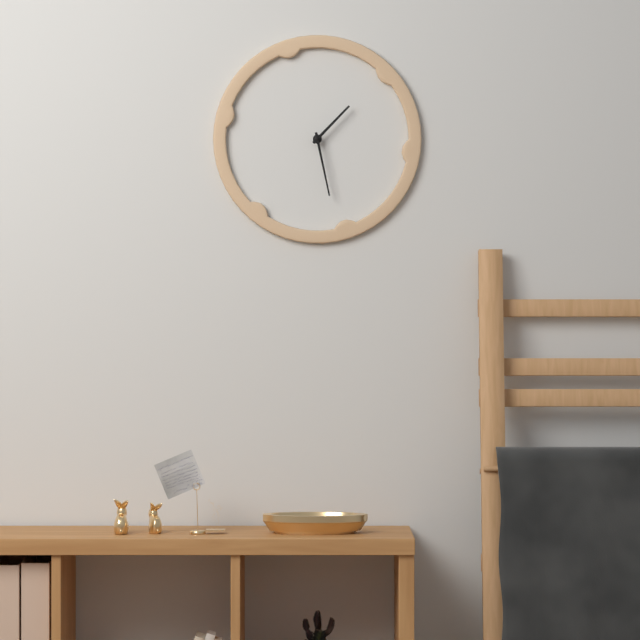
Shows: 1,28
